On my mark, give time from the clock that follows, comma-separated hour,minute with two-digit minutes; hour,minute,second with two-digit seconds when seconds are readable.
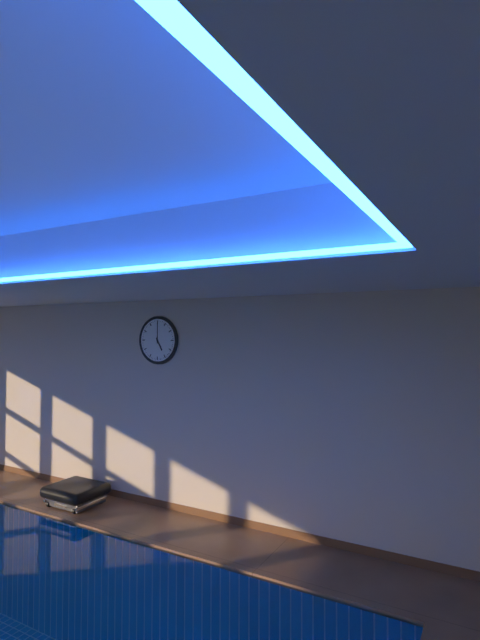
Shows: 5,00
